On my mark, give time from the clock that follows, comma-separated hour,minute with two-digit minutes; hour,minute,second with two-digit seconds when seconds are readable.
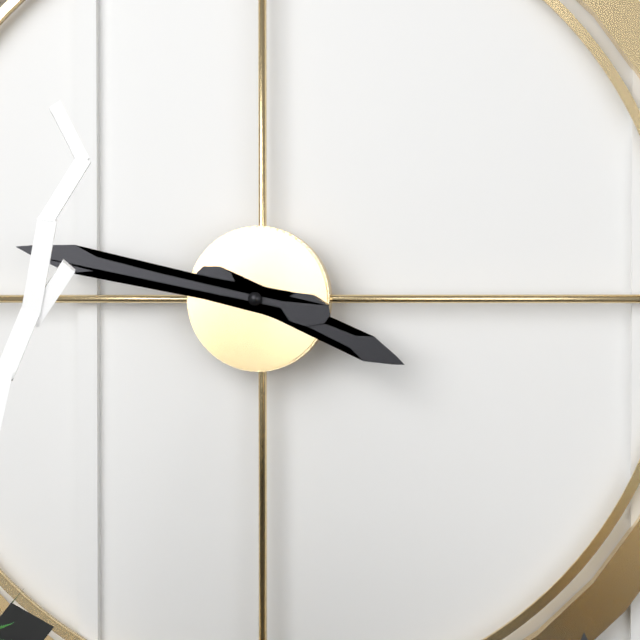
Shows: 3,47
